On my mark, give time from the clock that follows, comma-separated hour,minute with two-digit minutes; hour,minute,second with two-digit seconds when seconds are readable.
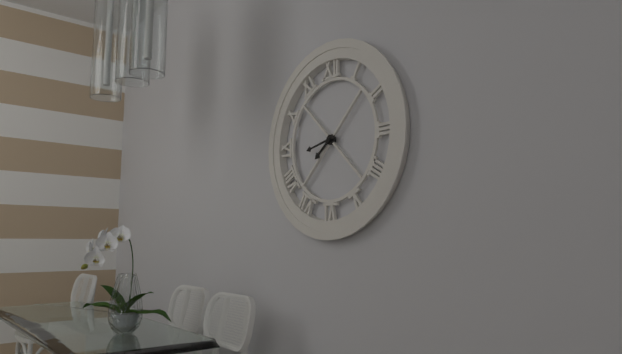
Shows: 7,43
